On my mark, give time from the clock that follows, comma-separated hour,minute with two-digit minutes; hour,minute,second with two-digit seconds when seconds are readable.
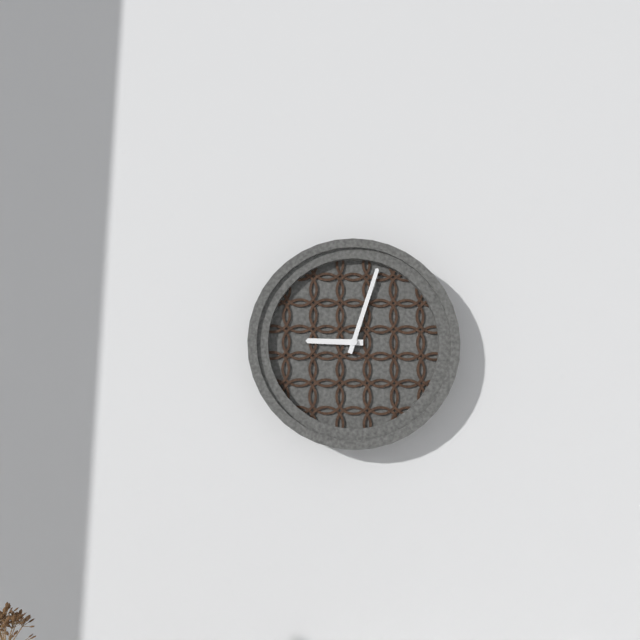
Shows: 9,03
